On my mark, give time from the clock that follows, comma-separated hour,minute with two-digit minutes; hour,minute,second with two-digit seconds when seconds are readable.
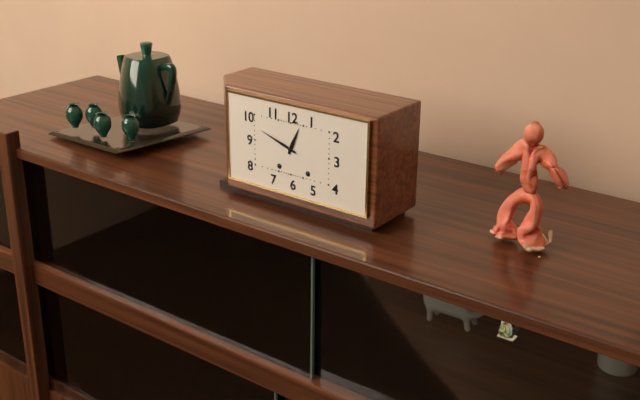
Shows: 12,48
